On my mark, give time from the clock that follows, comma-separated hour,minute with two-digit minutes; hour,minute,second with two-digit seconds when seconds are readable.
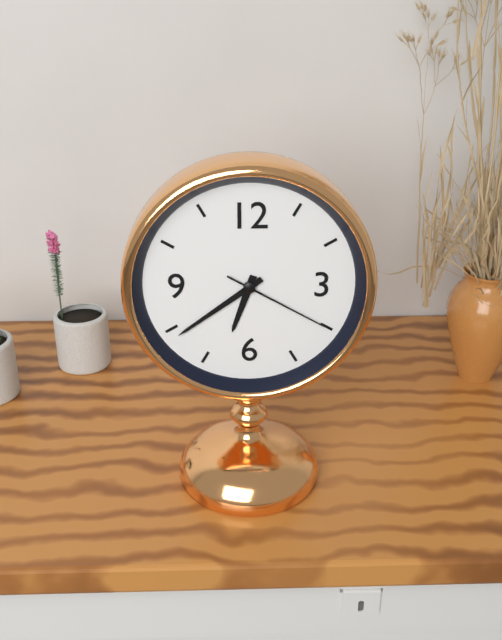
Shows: 6,39,20
